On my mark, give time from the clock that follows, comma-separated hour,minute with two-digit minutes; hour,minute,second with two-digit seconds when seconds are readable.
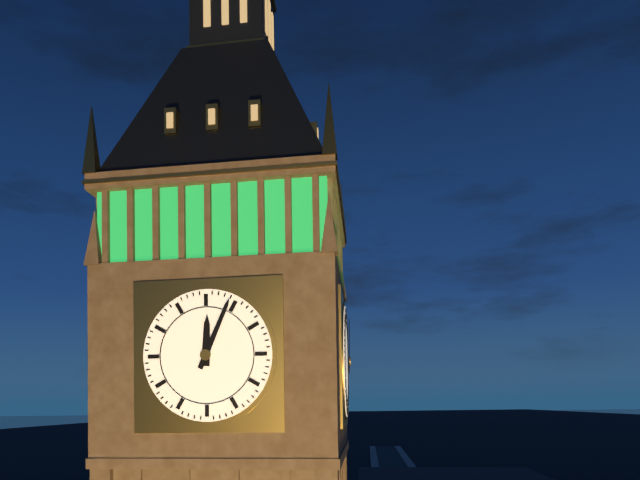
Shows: 12,04
